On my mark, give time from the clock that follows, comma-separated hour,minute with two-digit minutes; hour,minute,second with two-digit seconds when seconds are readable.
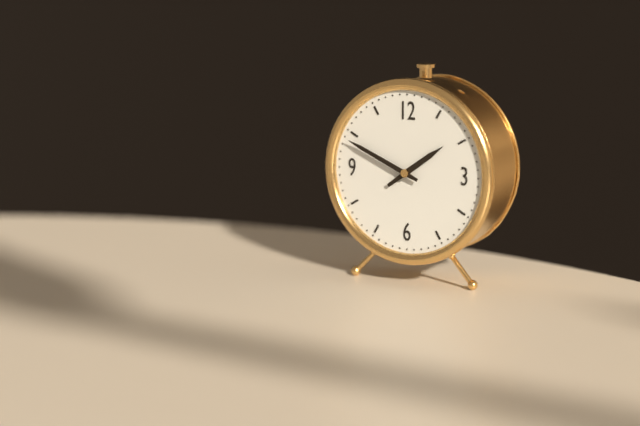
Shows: 1,49
